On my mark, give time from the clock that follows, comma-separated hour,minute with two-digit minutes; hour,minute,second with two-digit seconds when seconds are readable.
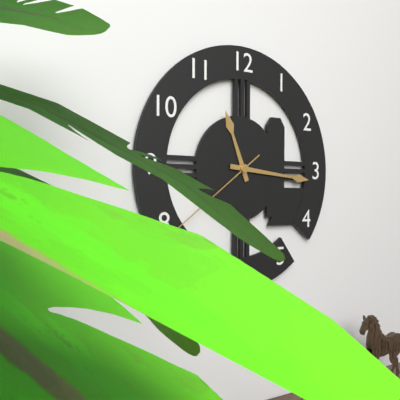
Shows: 11,16,39
